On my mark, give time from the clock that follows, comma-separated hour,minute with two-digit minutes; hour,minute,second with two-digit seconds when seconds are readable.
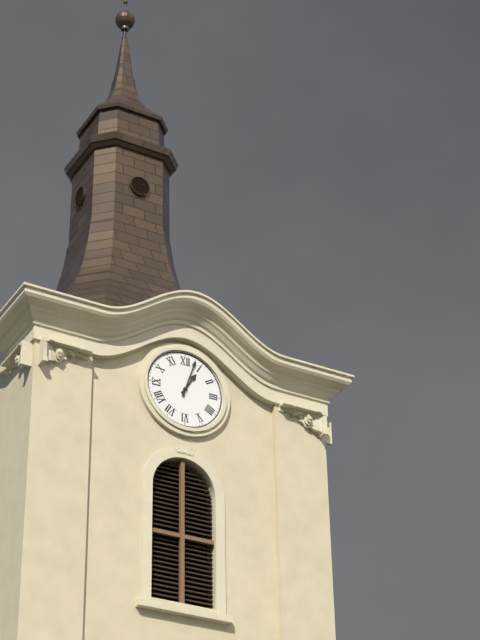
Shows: 1,03
